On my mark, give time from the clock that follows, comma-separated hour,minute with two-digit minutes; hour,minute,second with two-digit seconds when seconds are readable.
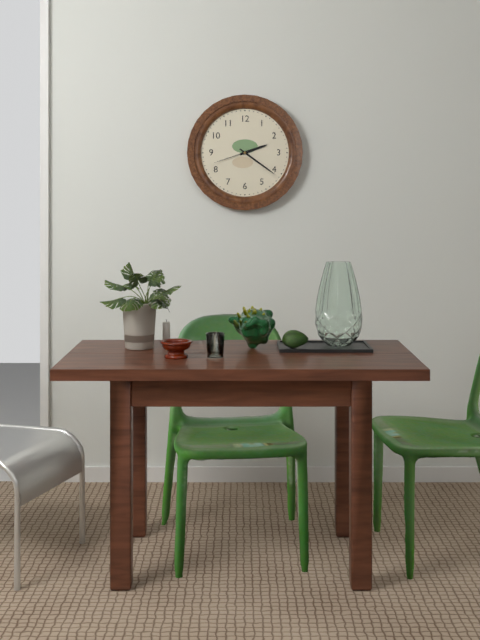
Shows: 2,21
